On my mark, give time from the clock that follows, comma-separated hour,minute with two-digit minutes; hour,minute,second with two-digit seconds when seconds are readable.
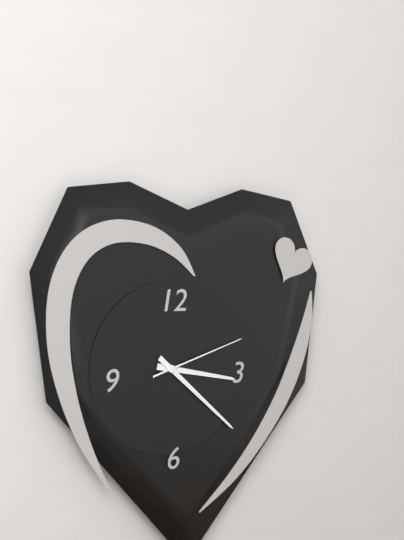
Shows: 3,22,12
